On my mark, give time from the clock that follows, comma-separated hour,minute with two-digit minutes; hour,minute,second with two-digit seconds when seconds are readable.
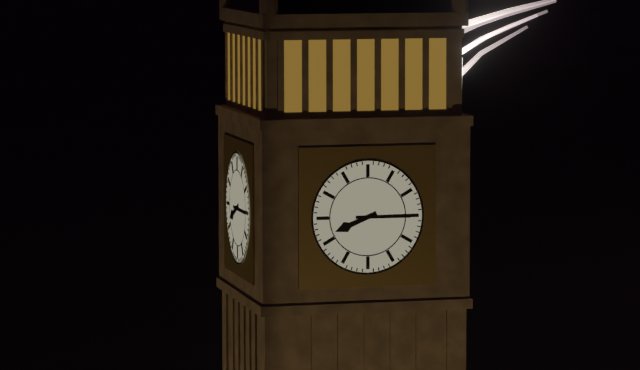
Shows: 8,15
